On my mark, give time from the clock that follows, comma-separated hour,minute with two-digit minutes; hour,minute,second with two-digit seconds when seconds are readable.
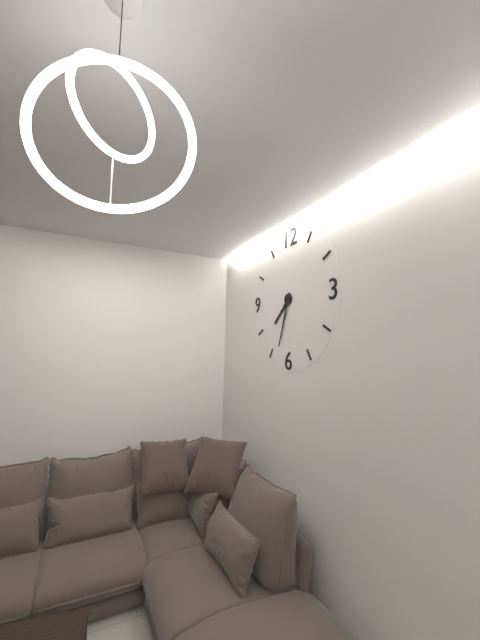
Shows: 7,33
